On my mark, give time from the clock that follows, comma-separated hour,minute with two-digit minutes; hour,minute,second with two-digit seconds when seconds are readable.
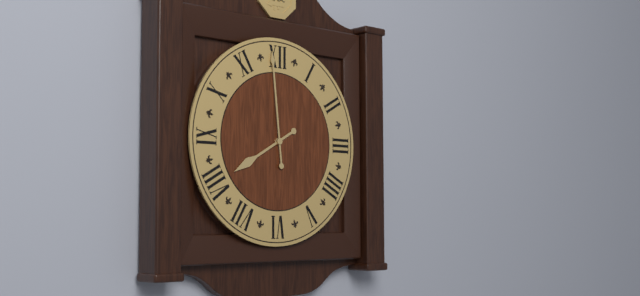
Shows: 7,59
